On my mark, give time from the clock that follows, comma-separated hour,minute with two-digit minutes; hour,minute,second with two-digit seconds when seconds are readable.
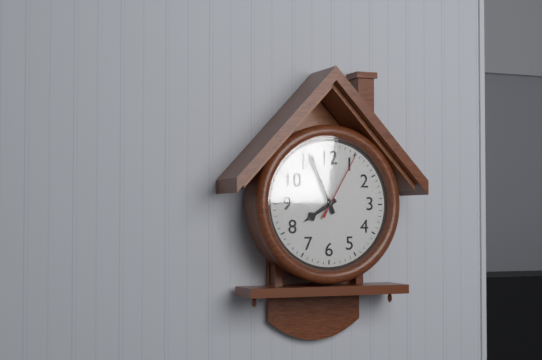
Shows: 7,56,05
